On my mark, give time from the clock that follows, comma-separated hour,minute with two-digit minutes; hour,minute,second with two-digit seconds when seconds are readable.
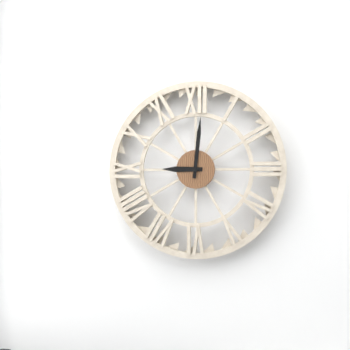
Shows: 9,01
